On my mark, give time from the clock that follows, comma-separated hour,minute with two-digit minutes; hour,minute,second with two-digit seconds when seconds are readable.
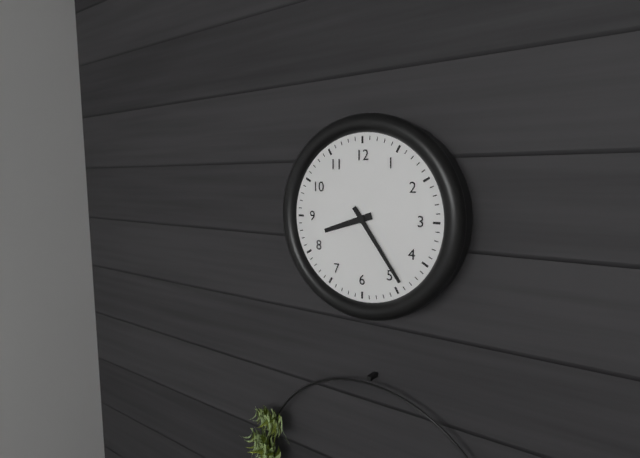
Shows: 8,24
